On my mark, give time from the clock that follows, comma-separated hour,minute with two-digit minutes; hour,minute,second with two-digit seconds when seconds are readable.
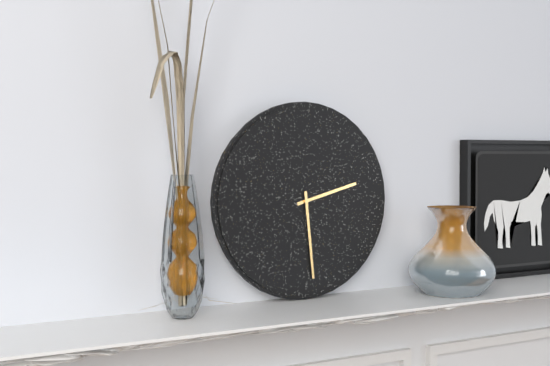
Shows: 2,29
